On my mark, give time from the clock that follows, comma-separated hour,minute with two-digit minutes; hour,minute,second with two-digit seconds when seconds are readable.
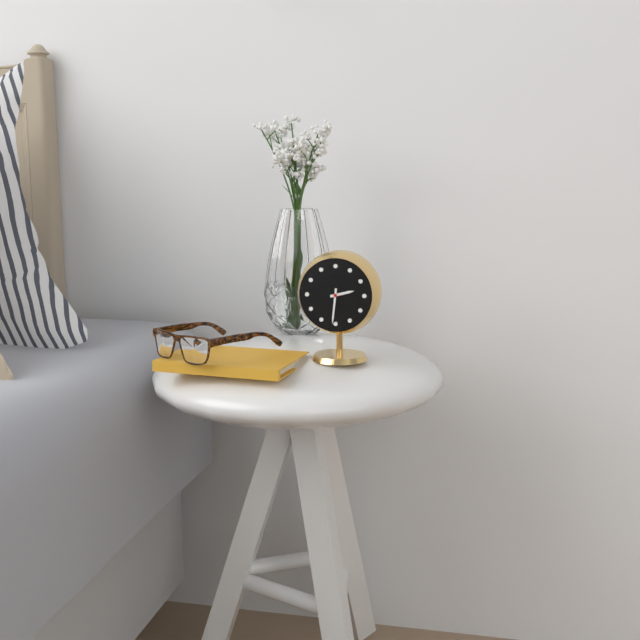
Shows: 2,31
